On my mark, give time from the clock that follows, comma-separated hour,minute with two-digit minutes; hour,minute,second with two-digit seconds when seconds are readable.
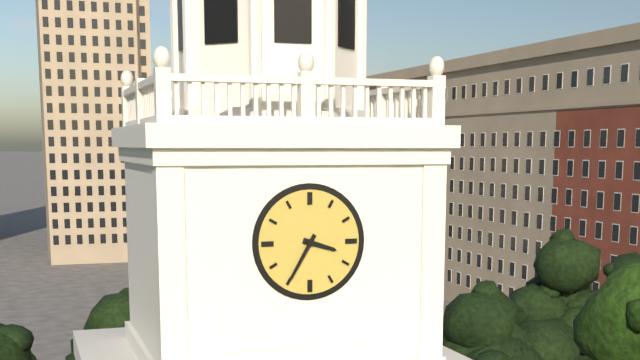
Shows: 3,35
